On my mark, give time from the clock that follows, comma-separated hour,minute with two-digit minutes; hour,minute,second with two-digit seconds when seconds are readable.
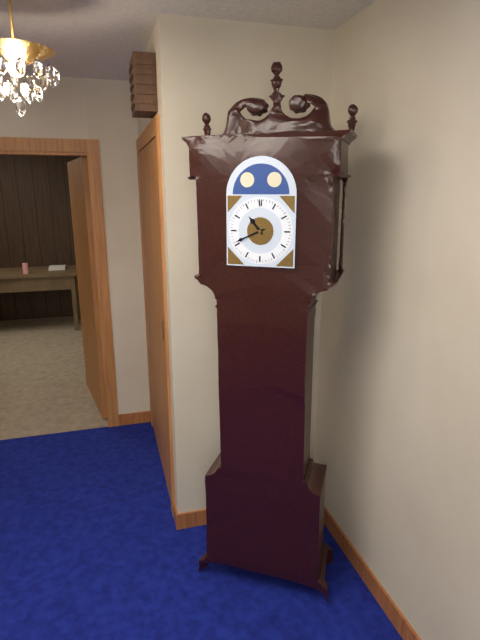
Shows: 10,41
